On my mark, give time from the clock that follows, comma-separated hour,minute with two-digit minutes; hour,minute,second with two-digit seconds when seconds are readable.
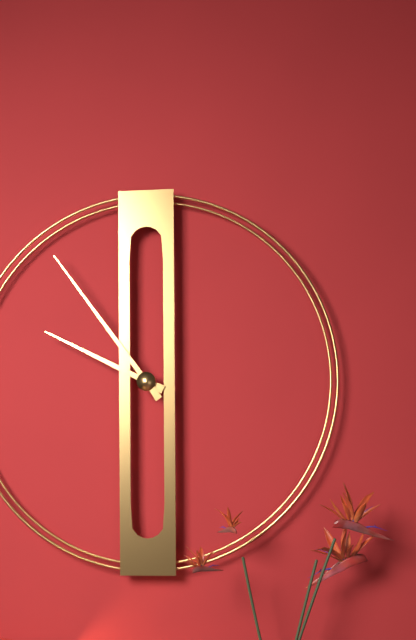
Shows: 9,54
